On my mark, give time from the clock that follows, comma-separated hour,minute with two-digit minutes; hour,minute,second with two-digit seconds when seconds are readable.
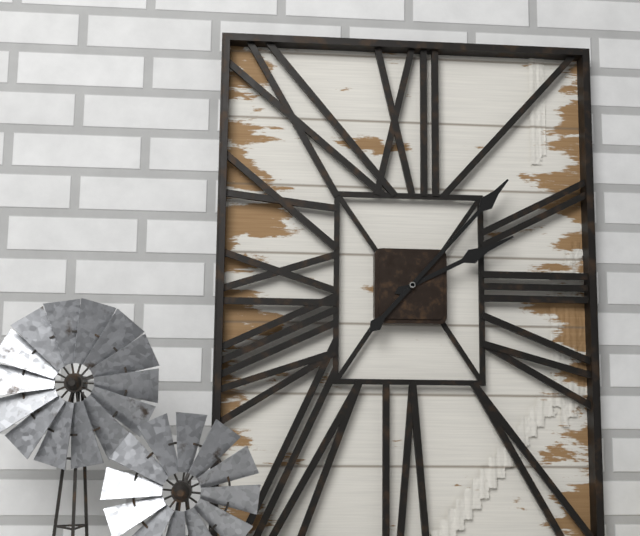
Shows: 2,07
